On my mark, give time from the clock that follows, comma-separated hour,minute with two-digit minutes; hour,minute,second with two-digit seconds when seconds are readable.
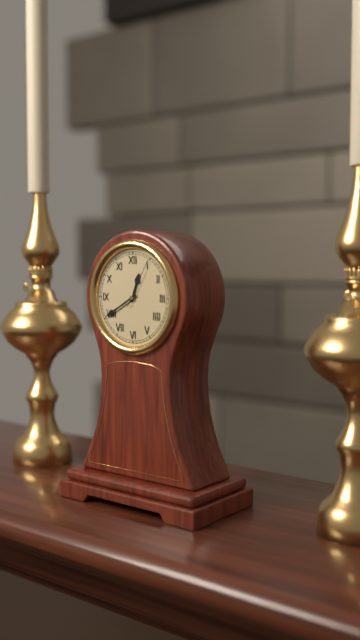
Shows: 12,40
